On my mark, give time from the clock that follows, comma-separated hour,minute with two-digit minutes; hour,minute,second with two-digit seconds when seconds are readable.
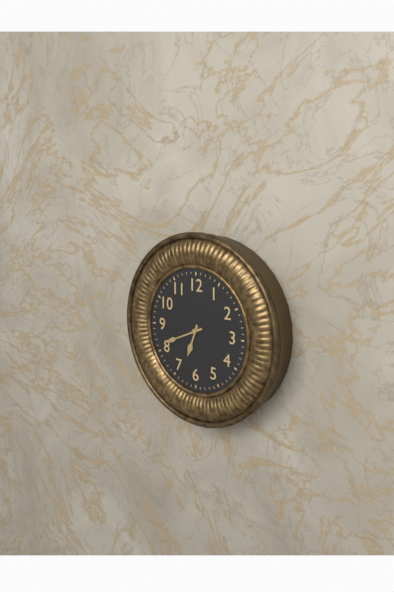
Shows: 6,41
